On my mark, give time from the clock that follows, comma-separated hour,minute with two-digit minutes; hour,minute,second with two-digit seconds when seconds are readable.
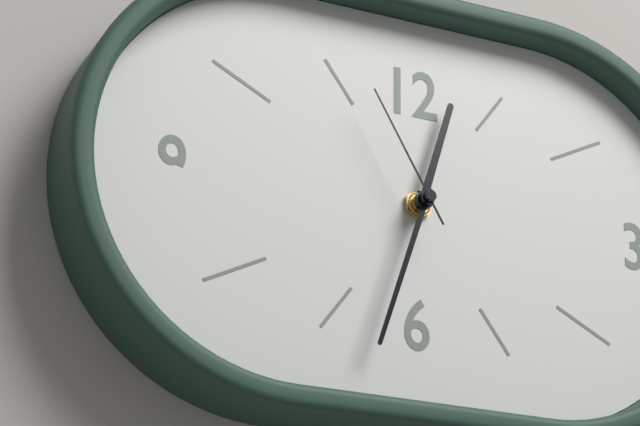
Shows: 12,33,55
